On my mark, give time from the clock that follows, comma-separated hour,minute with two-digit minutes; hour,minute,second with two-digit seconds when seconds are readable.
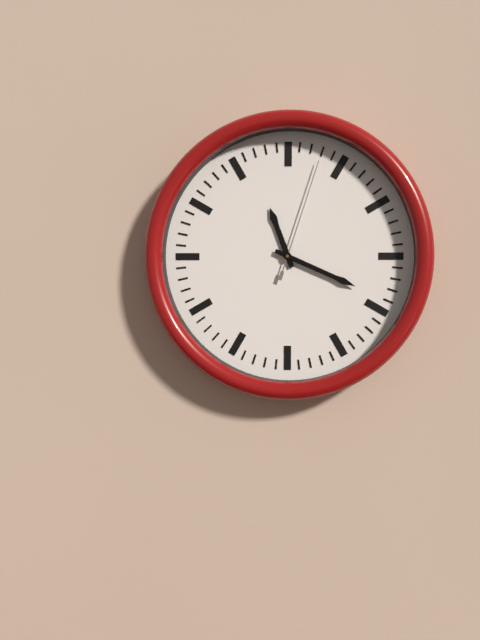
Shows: 11,19,03
